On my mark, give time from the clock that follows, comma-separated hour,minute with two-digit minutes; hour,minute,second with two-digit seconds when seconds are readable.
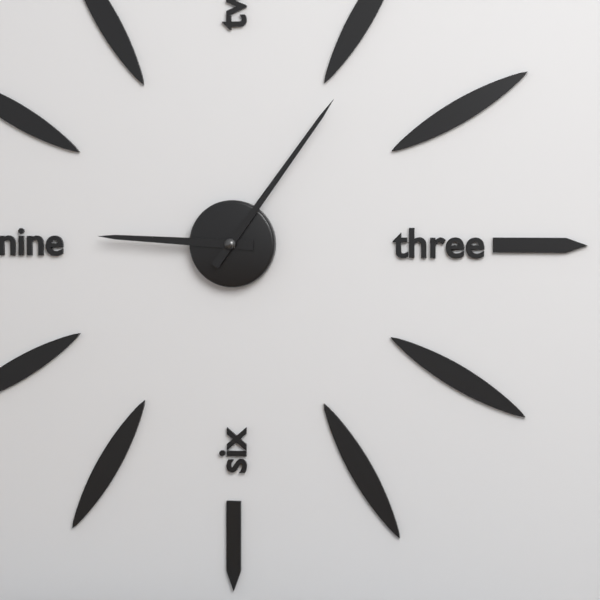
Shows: 9,06
